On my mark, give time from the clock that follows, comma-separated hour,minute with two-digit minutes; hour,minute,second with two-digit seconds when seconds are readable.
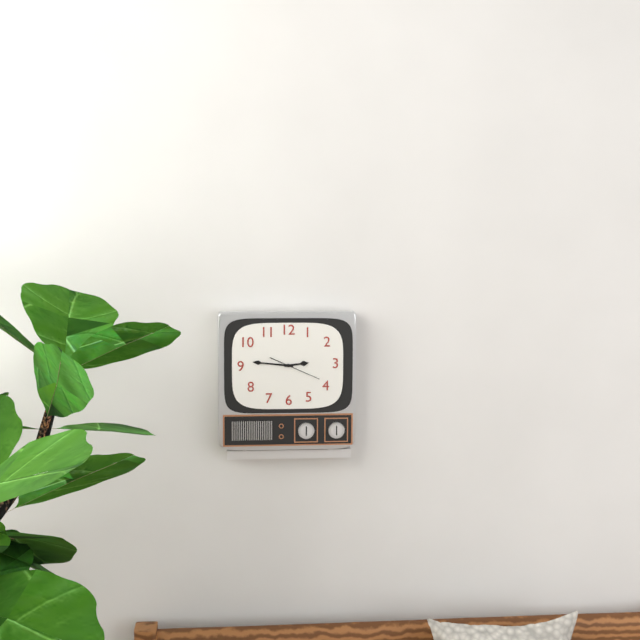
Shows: 2,46
